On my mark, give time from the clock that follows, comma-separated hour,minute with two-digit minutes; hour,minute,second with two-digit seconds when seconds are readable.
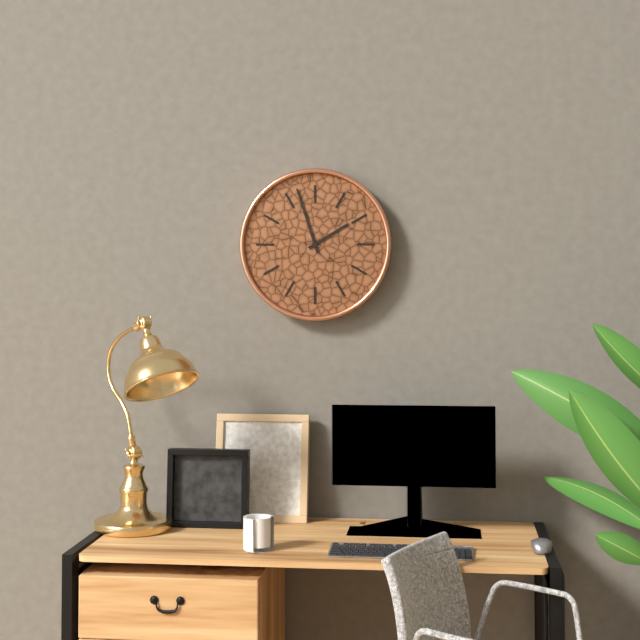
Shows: 1,57
